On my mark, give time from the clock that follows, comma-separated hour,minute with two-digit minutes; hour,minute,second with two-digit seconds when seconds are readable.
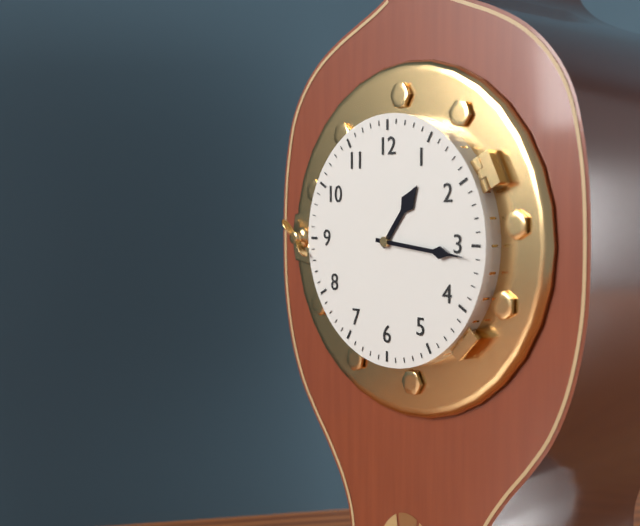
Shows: 1,16
